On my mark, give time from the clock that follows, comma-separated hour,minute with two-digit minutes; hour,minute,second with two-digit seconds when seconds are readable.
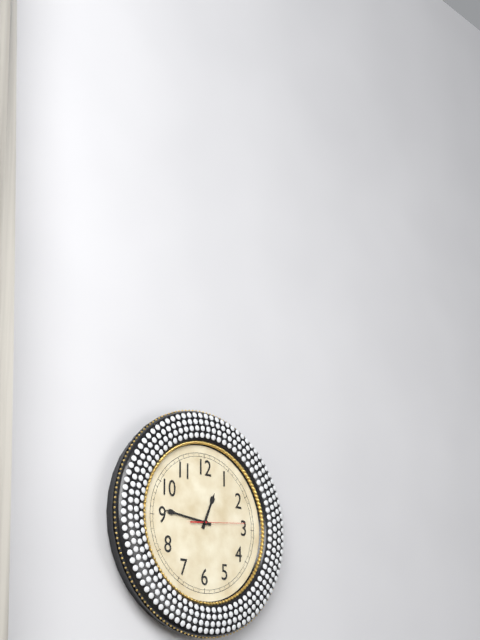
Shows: 12,46,14
